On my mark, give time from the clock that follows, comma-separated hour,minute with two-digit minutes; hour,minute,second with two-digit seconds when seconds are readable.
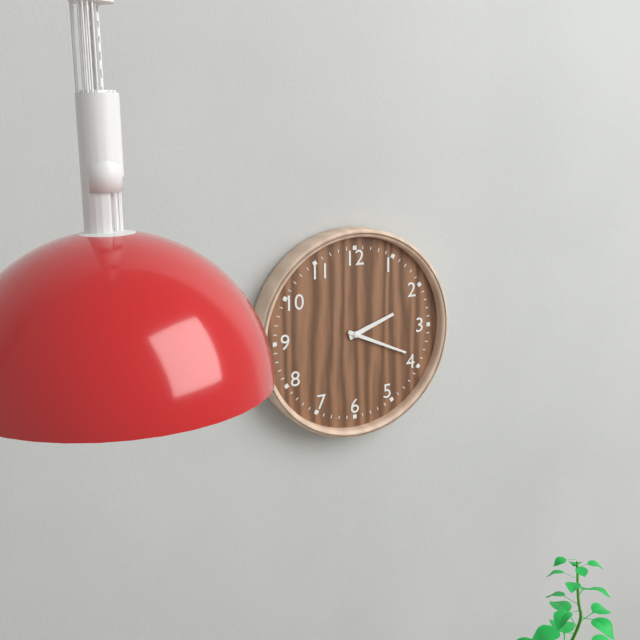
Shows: 2,19
